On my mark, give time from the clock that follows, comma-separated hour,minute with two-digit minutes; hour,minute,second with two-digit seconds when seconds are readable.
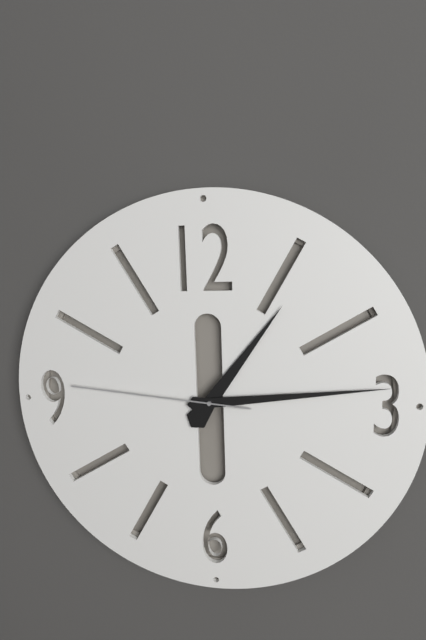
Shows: 1,14,46
